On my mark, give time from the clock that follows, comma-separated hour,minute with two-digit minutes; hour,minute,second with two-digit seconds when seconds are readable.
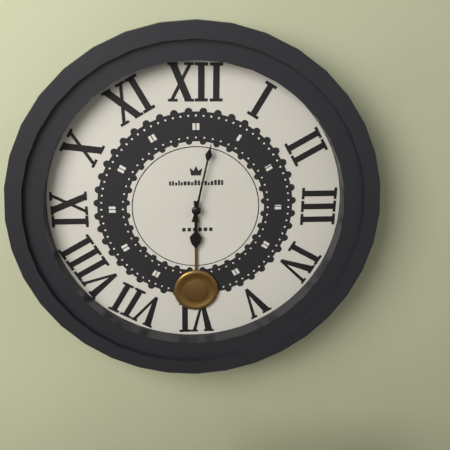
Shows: 6,02
